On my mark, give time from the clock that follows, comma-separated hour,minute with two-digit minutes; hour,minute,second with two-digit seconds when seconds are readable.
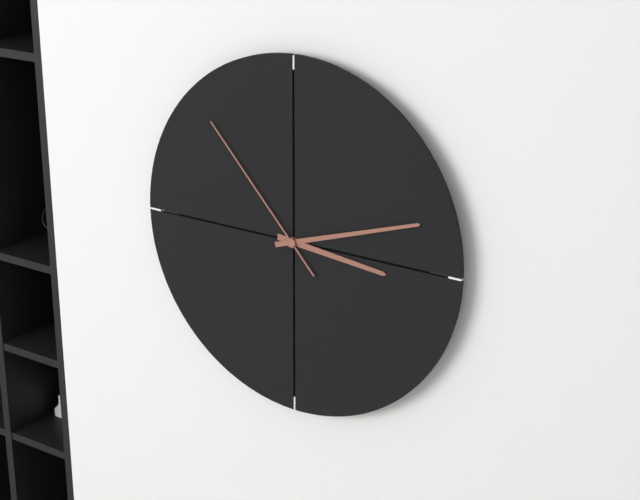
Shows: 3,12,53
